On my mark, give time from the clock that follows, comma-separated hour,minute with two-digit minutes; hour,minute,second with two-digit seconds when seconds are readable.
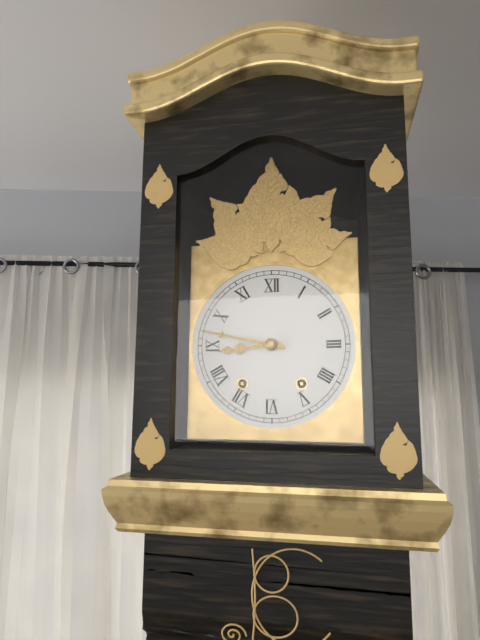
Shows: 8,47
